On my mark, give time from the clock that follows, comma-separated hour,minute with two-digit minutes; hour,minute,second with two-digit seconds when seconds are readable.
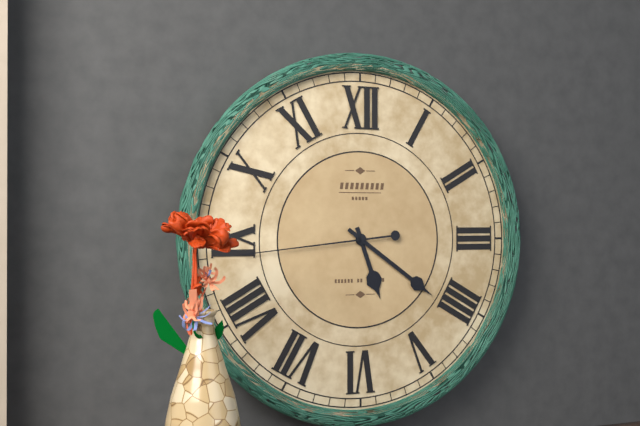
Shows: 5,21,44
